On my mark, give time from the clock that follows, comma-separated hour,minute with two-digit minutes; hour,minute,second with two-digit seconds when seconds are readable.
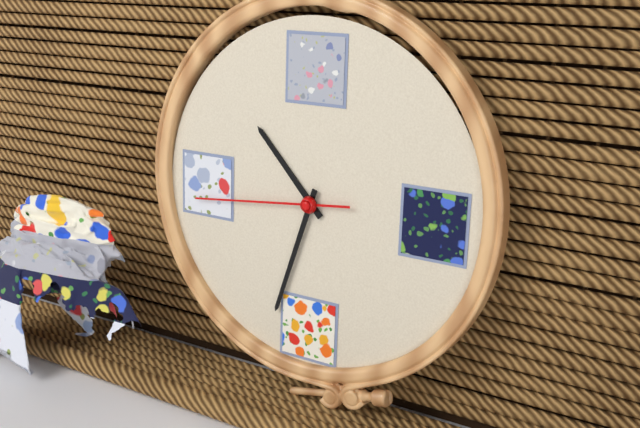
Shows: 10,33,44
